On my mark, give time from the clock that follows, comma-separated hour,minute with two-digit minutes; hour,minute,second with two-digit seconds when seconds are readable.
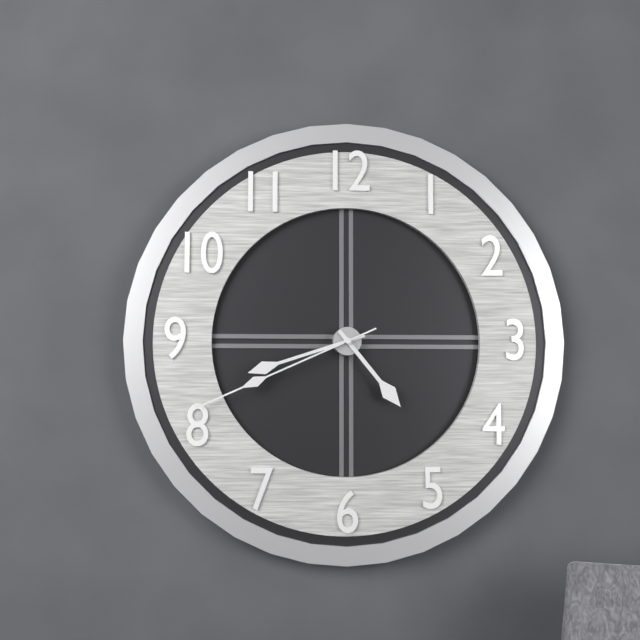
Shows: 4,42,41
